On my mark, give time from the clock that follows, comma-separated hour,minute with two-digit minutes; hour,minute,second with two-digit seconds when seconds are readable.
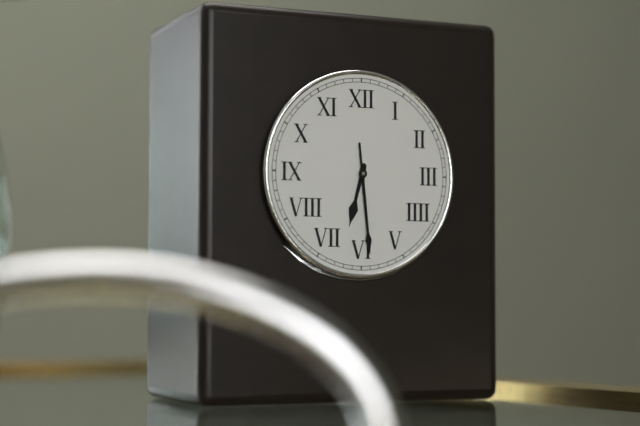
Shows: 6,29
